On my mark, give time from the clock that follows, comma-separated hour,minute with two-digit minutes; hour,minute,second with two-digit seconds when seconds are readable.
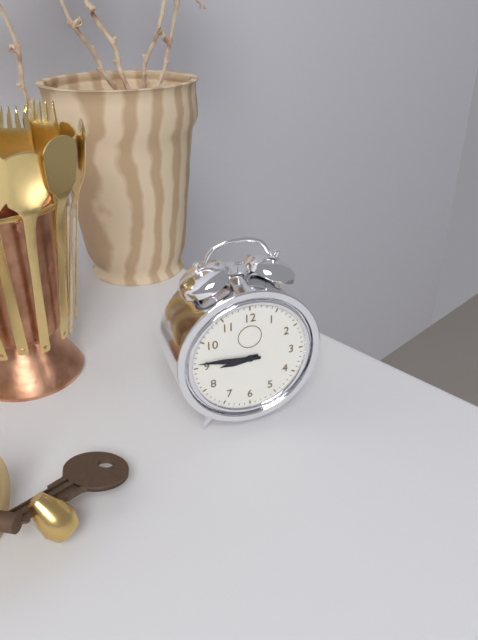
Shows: 8,46
